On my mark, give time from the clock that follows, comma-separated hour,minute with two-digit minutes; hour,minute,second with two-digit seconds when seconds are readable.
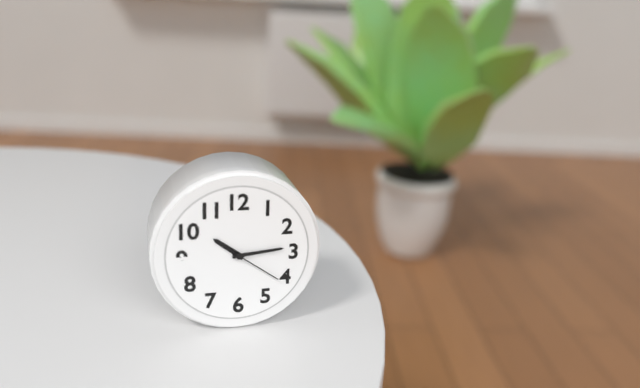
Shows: 10,14,21
